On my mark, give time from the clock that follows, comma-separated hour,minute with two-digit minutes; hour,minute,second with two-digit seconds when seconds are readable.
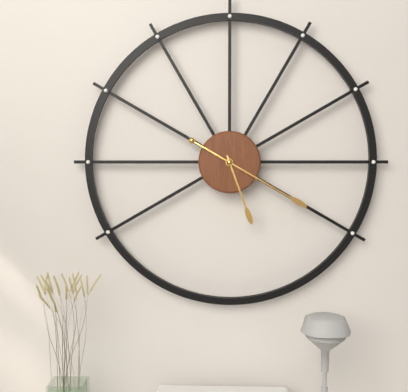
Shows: 5,20
